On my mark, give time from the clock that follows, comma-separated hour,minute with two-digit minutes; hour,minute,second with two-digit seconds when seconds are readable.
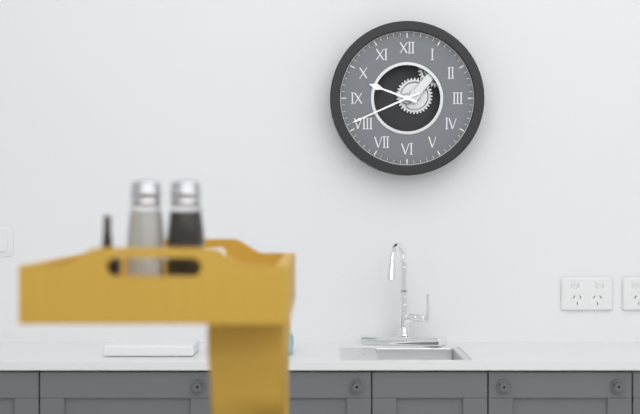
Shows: 9,41
